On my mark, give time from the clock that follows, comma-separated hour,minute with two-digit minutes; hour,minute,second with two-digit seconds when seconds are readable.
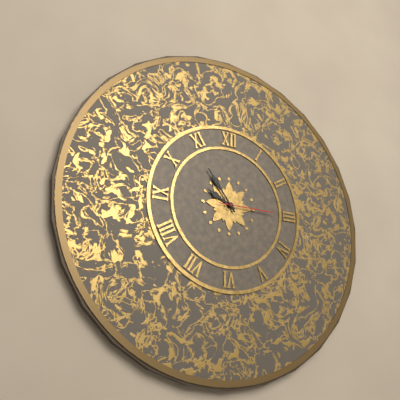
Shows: 9,54,15
